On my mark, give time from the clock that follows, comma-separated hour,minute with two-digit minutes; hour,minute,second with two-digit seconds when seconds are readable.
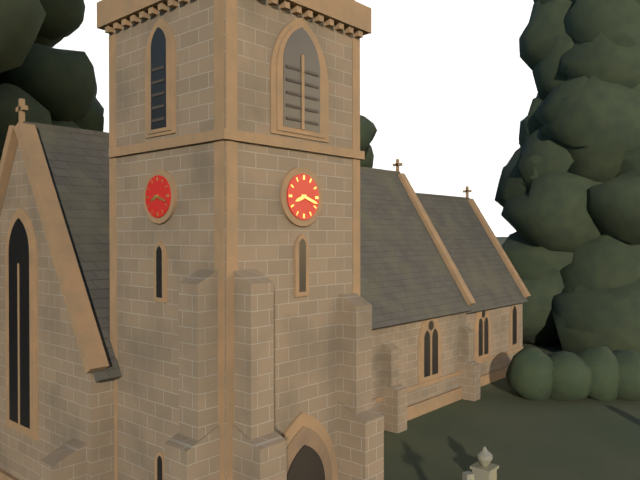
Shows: 8,18
